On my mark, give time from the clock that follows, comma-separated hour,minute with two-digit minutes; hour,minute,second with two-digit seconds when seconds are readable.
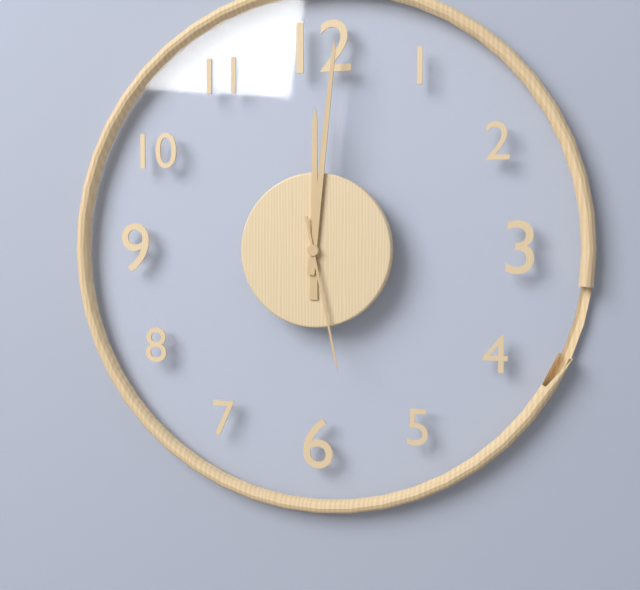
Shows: 12,01,28
